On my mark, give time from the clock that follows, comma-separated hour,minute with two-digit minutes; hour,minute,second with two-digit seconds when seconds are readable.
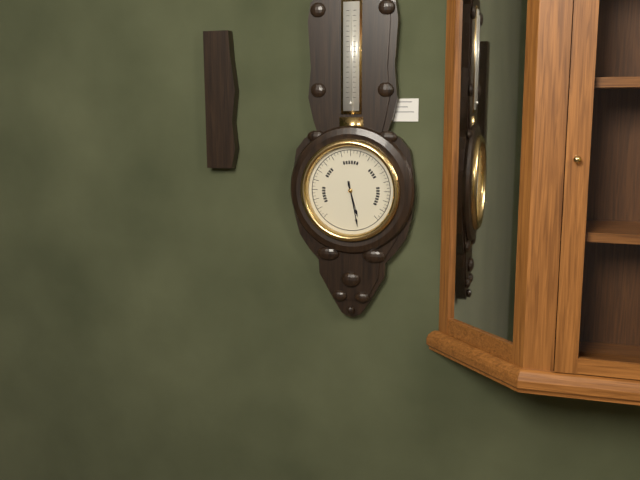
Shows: 5,28
